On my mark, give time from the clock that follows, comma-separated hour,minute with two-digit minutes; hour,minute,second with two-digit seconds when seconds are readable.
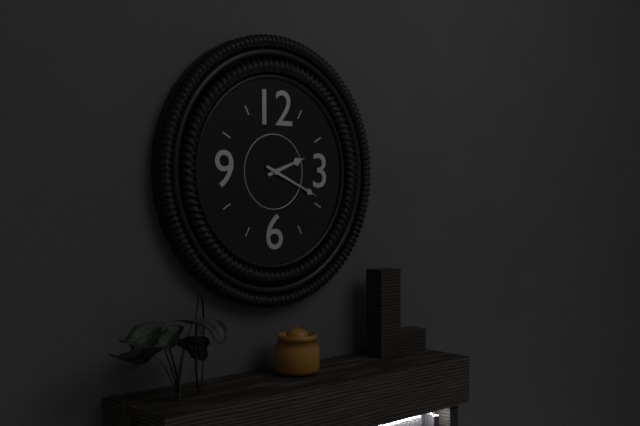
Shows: 2,19
